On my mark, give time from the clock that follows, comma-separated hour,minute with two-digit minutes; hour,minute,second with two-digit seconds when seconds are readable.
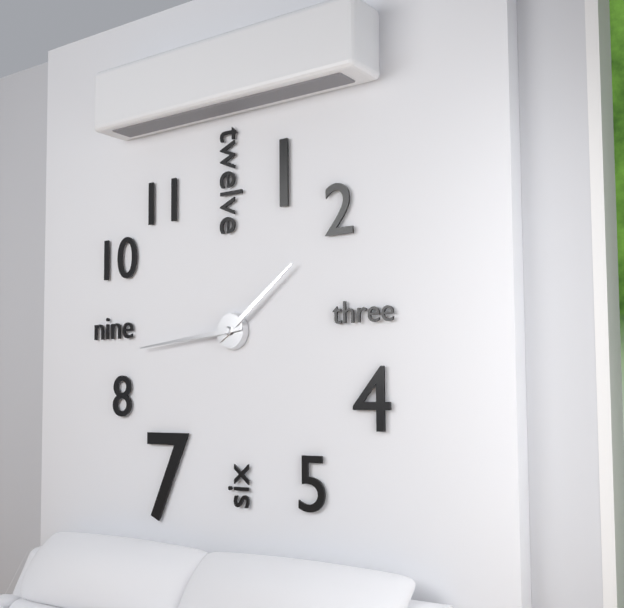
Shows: 1,44
